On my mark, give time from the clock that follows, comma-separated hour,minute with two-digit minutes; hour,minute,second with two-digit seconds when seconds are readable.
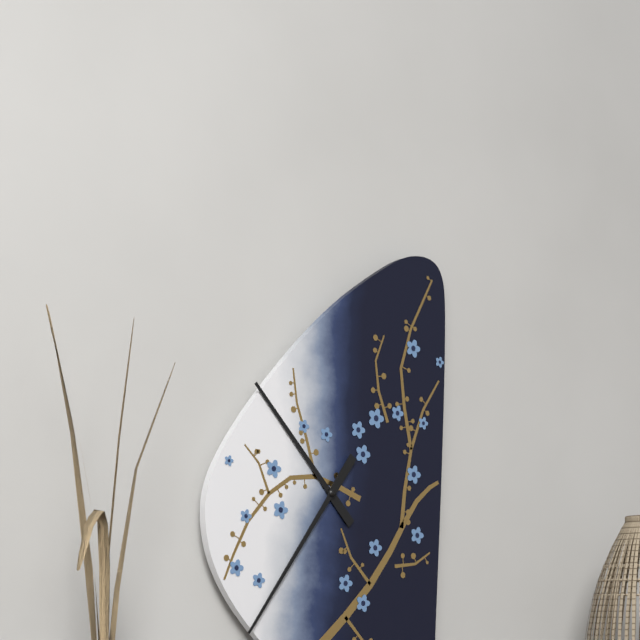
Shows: 10,36
